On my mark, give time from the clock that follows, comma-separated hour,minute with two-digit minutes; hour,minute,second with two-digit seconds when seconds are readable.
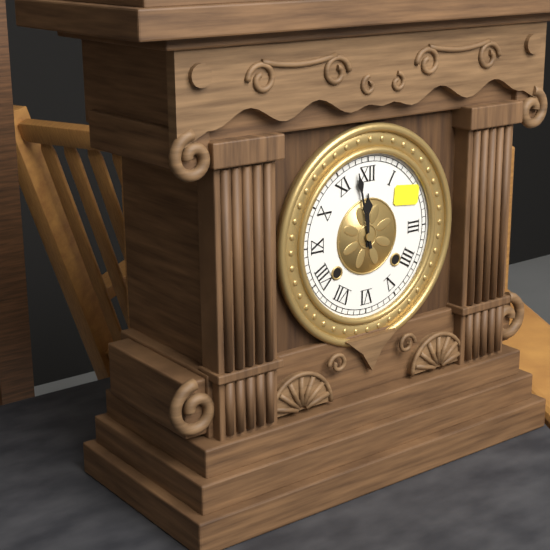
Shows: 11,58
